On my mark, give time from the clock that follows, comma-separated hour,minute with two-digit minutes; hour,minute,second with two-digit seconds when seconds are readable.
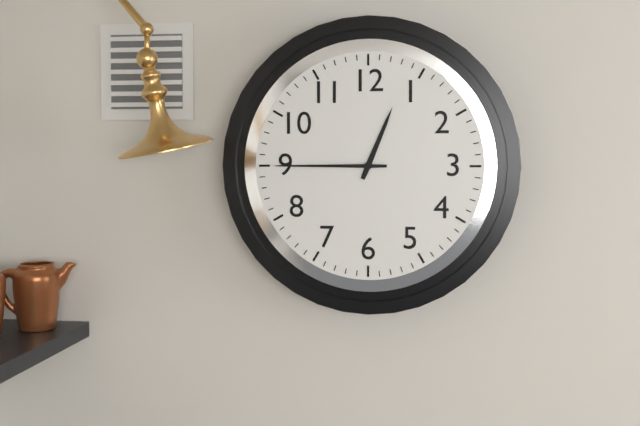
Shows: 12,45
